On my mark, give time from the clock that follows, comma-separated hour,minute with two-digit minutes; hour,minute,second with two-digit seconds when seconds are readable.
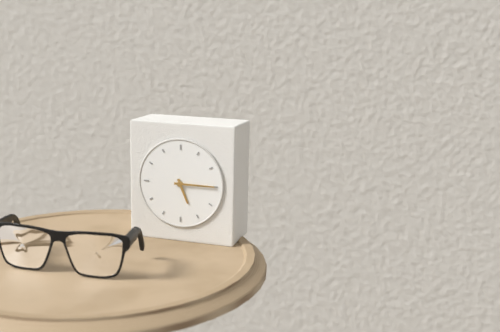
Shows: 5,15
